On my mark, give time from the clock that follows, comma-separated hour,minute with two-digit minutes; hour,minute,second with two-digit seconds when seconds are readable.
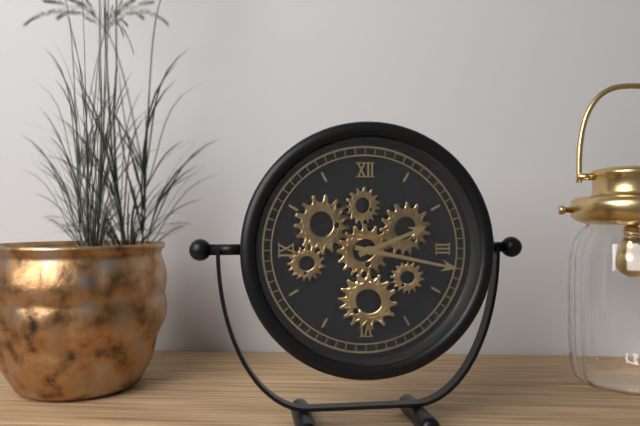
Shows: 2,17
